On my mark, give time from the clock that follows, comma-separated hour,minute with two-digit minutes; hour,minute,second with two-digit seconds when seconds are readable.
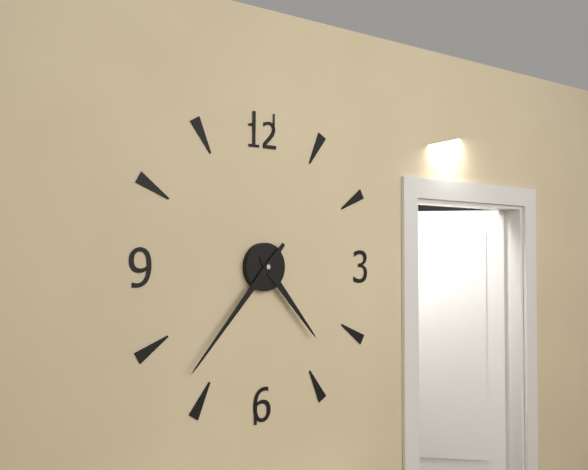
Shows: 4,37
